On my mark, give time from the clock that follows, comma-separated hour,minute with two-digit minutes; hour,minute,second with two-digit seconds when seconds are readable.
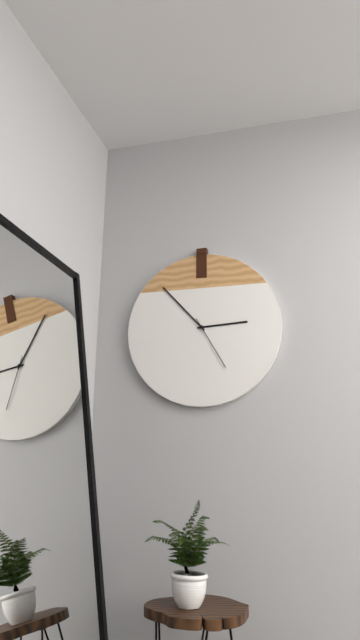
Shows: 2,53,25
